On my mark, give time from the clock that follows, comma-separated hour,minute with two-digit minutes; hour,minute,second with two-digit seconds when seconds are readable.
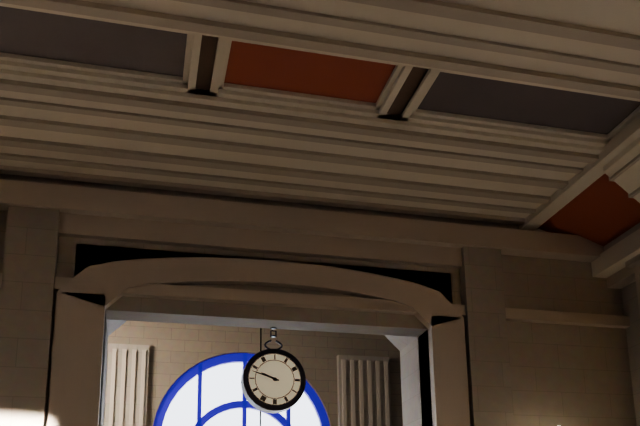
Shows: 9,48
